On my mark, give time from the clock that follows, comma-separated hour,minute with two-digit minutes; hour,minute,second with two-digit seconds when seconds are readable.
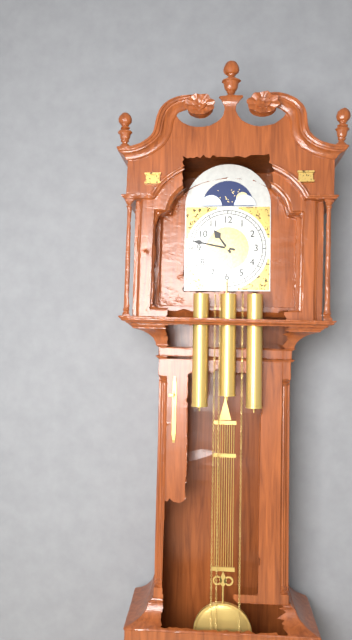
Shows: 10,47
